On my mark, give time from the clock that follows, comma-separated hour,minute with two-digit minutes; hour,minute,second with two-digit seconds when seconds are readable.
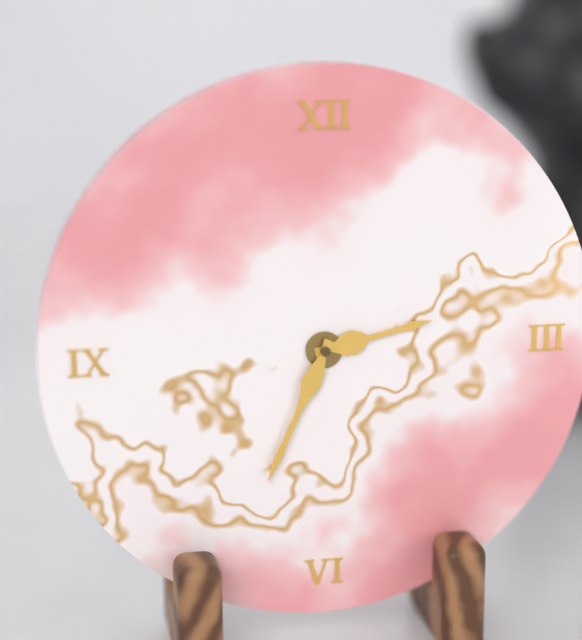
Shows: 2,34
